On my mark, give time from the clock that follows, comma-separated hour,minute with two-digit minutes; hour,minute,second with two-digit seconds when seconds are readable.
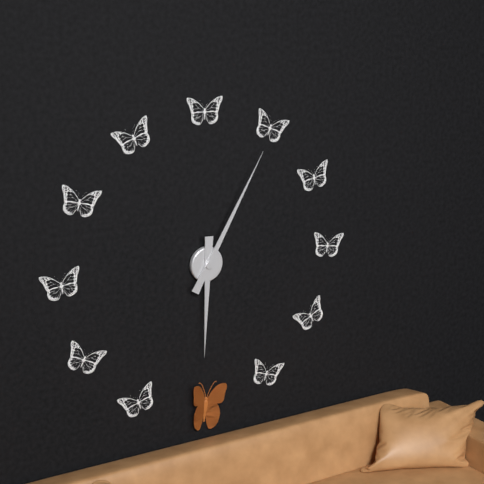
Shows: 6,05
